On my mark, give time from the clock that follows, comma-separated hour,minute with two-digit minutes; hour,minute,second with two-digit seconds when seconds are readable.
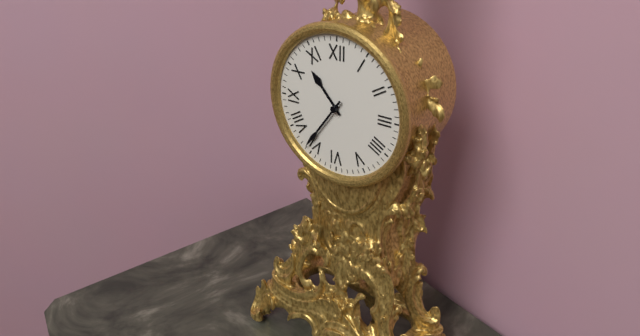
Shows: 10,36
